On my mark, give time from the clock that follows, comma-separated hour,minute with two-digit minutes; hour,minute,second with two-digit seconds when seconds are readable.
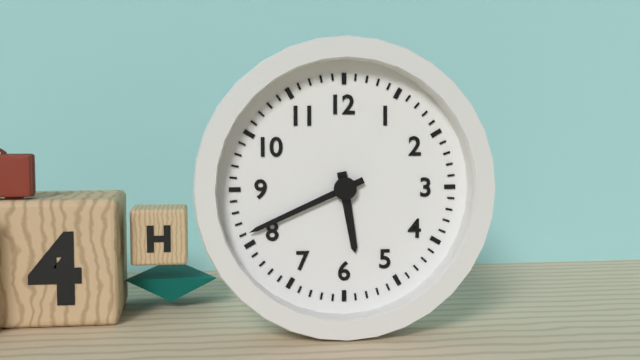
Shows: 5,41
